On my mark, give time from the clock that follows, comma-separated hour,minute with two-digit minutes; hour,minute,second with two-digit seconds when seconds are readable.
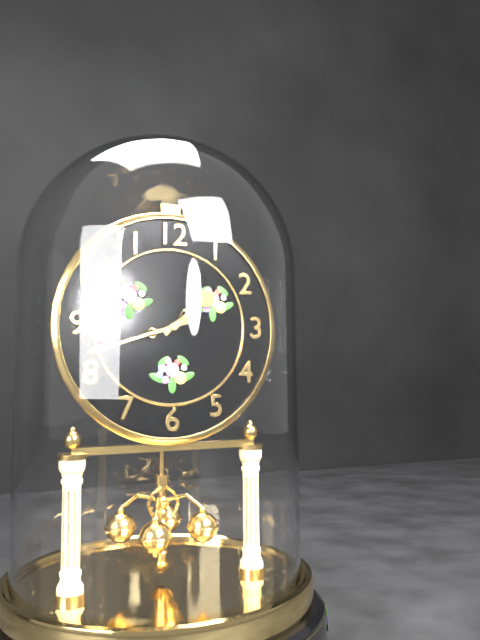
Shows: 1,42
